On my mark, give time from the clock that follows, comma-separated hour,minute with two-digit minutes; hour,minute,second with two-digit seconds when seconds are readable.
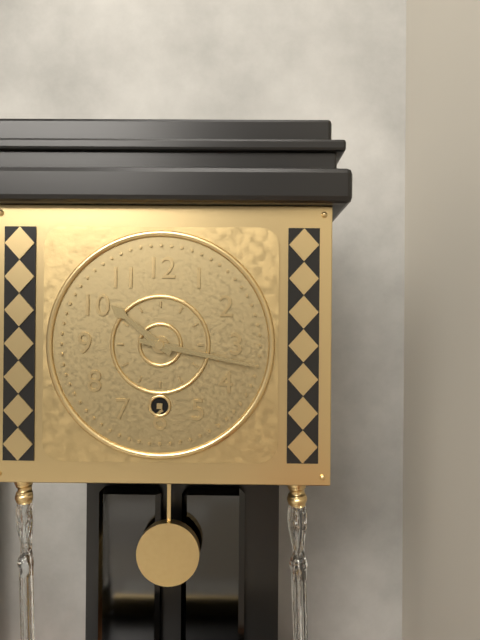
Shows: 10,17
